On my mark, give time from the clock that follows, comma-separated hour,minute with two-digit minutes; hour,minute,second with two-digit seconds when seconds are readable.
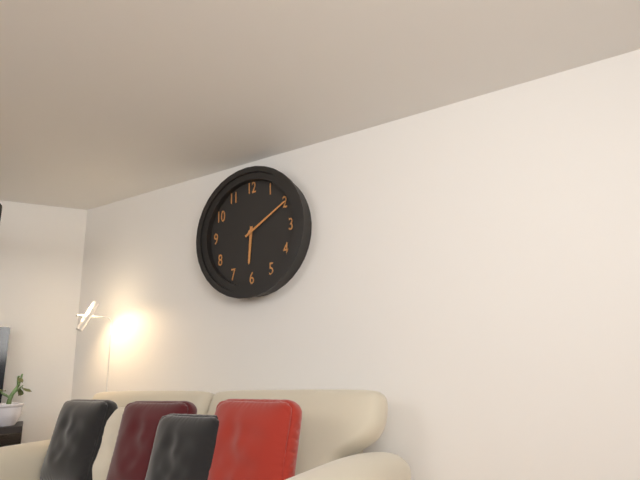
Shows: 6,10
